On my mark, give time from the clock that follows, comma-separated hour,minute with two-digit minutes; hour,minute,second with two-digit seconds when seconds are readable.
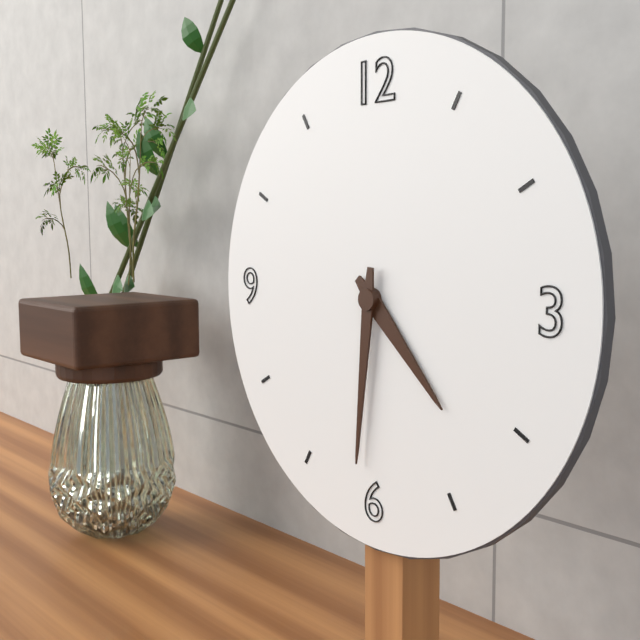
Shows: 4,31
